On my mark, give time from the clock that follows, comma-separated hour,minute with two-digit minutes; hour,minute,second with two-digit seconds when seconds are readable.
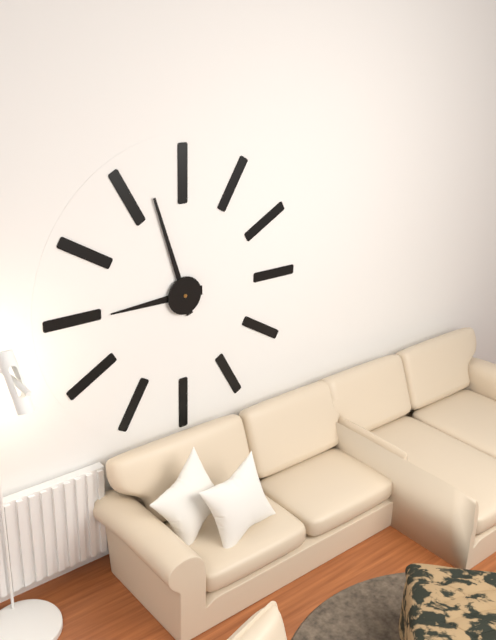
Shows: 8,57
